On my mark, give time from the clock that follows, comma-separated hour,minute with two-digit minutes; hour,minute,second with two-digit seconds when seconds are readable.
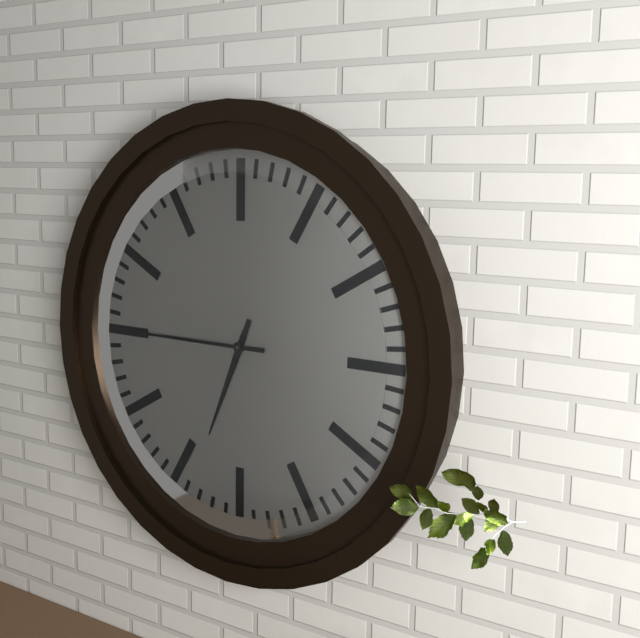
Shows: 6,45
